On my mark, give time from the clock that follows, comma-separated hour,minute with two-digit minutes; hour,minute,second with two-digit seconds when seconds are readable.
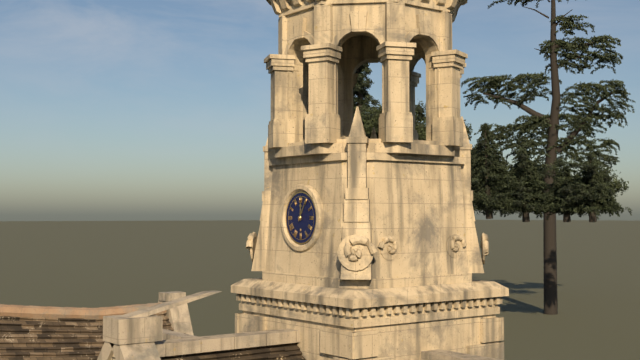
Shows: 12,05
